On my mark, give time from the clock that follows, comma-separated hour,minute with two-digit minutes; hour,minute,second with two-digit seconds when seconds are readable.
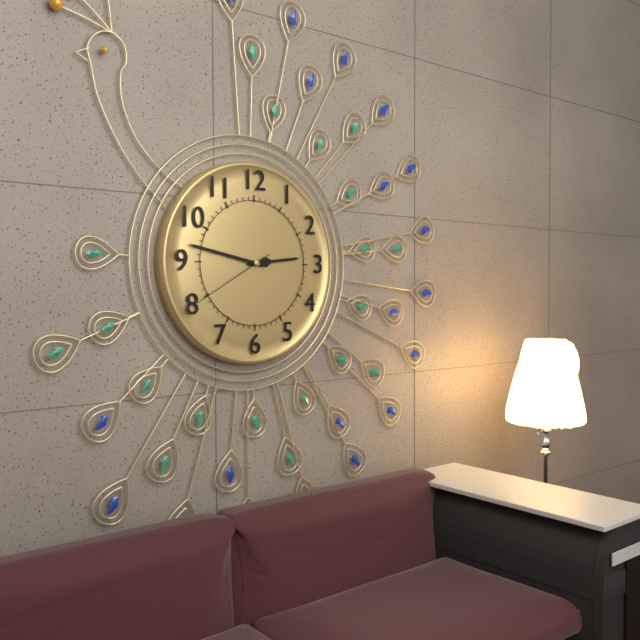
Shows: 2,47,40
